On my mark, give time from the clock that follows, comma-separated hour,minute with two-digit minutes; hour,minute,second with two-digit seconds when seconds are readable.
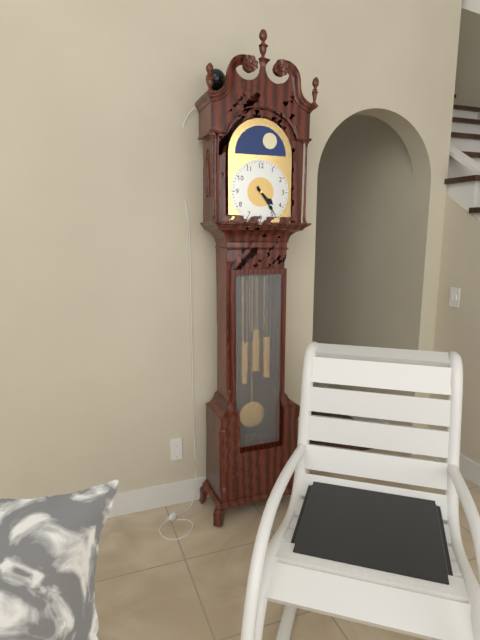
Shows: 4,24
